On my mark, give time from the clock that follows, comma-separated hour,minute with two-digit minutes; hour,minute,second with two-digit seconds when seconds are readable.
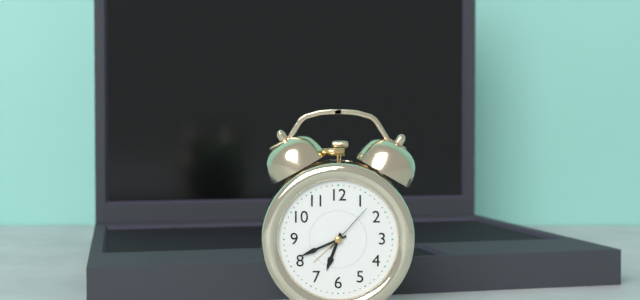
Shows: 6,41,07
